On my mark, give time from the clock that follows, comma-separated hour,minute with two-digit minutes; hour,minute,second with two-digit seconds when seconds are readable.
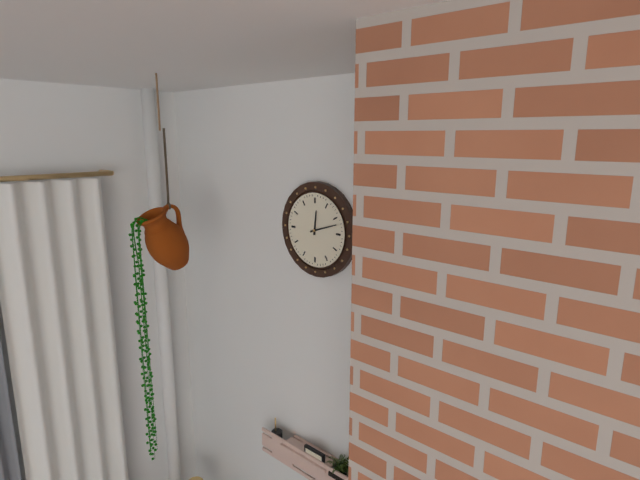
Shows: 12,12
